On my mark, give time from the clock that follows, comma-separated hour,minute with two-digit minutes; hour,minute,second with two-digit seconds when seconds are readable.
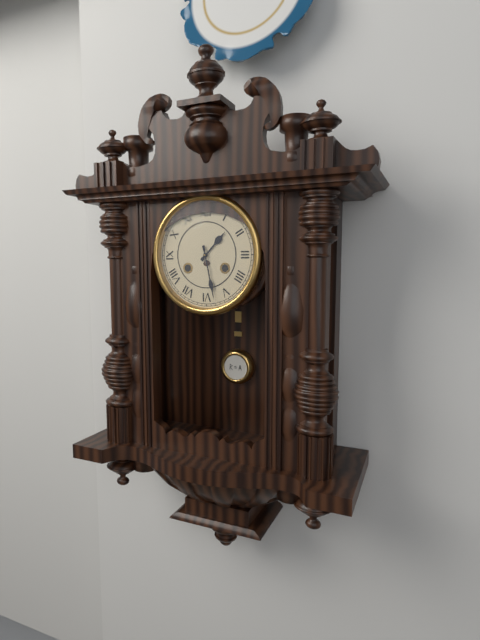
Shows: 1,28
